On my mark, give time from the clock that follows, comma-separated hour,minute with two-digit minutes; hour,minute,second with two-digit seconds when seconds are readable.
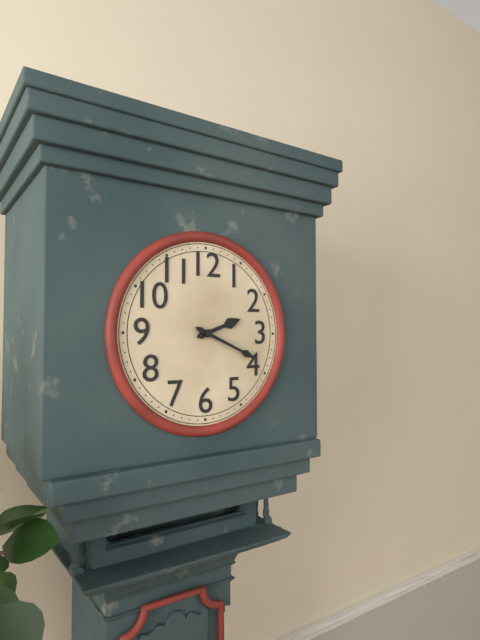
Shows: 2,19
